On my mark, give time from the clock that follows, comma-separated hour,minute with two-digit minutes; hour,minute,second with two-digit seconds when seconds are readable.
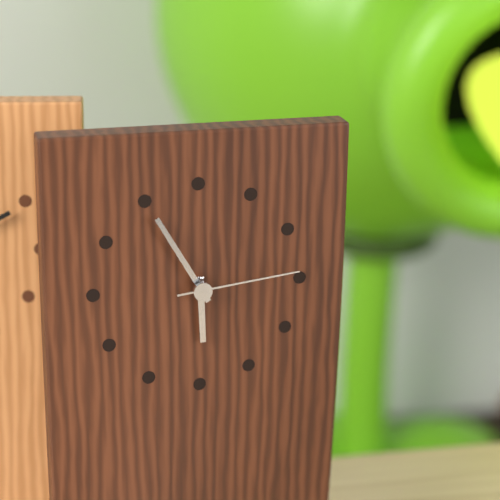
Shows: 5,55,14
